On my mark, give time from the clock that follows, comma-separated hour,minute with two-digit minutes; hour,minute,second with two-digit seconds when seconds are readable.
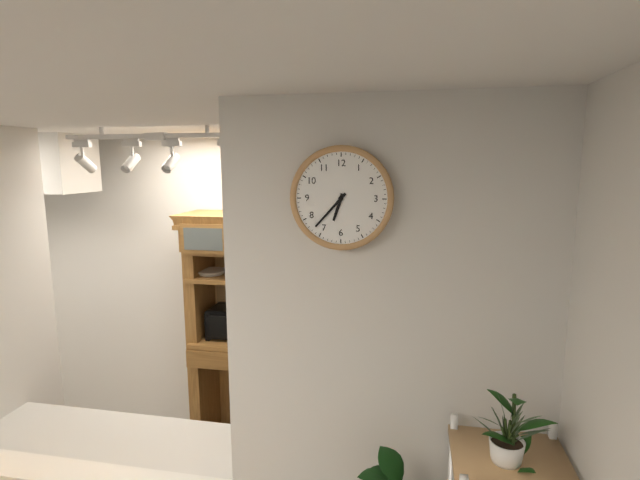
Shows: 6,37
